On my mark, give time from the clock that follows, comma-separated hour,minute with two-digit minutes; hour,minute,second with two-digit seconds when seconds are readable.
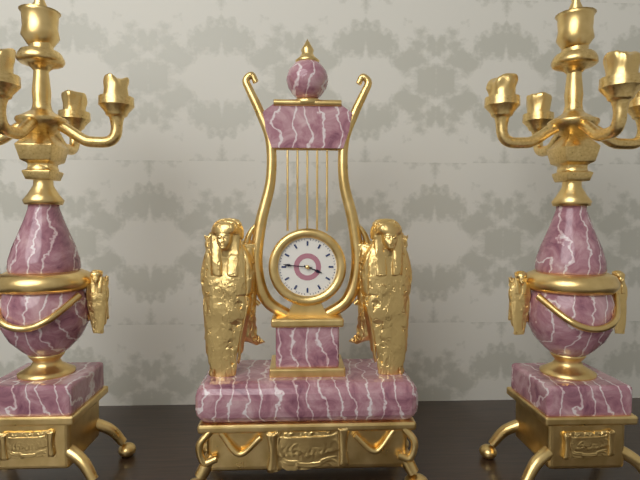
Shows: 3,46
